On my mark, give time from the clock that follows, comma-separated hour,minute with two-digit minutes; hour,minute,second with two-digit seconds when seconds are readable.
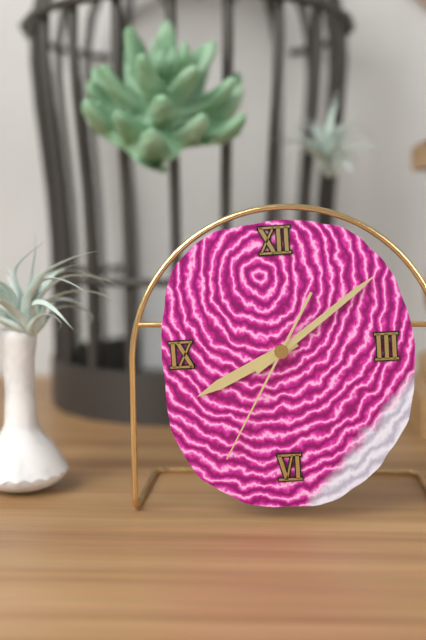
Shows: 8,09,35
